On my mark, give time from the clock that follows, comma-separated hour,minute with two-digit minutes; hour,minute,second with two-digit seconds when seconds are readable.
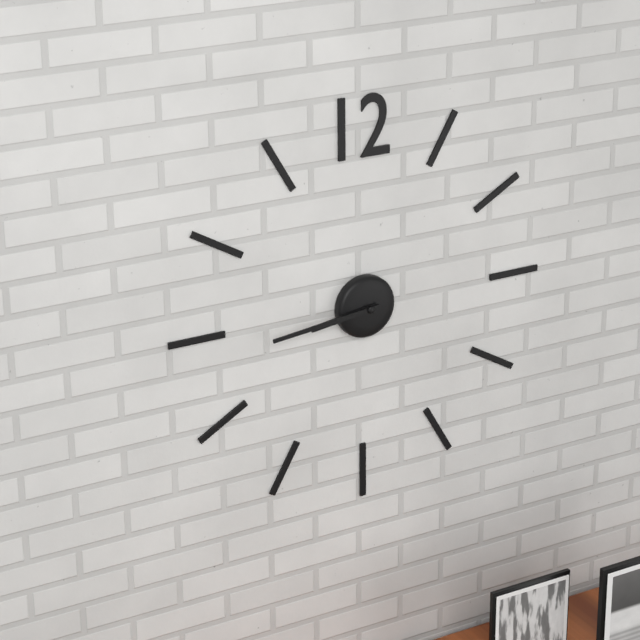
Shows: 8,44
